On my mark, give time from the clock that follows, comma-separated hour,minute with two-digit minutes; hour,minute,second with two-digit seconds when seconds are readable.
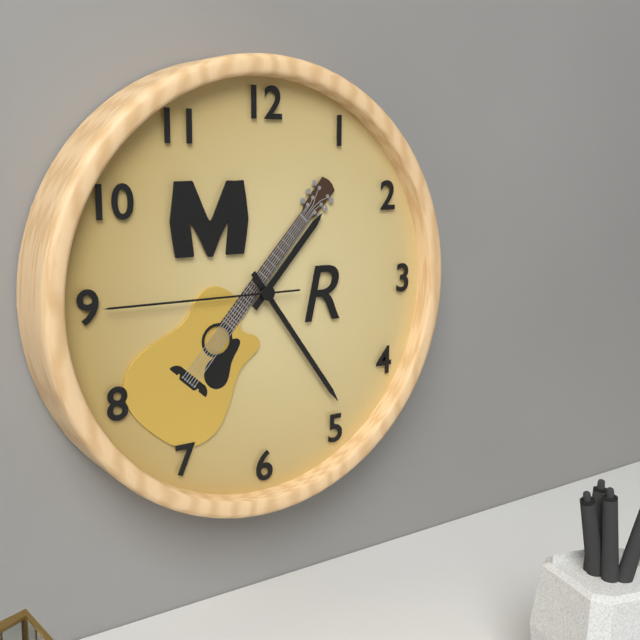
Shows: 1,24,45
